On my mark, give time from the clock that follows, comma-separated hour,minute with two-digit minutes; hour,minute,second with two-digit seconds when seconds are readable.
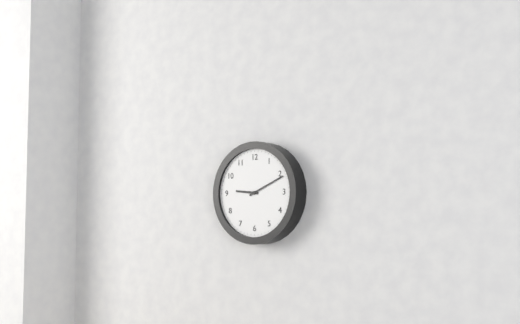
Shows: 9,11
